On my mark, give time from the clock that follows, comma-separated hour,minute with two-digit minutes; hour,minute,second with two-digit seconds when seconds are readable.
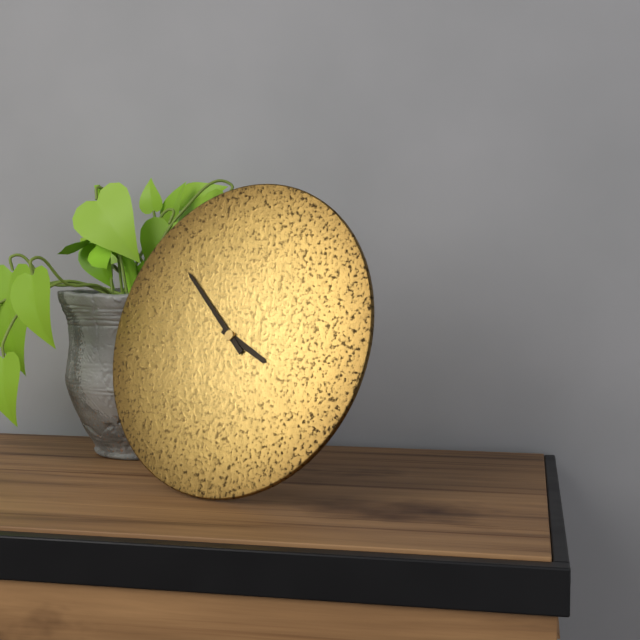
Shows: 3,52
